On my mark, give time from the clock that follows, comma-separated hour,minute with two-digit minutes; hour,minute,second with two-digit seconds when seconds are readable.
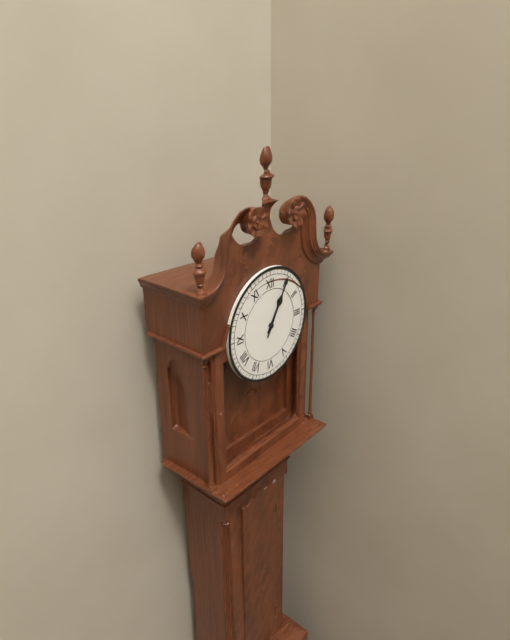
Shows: 1,05
